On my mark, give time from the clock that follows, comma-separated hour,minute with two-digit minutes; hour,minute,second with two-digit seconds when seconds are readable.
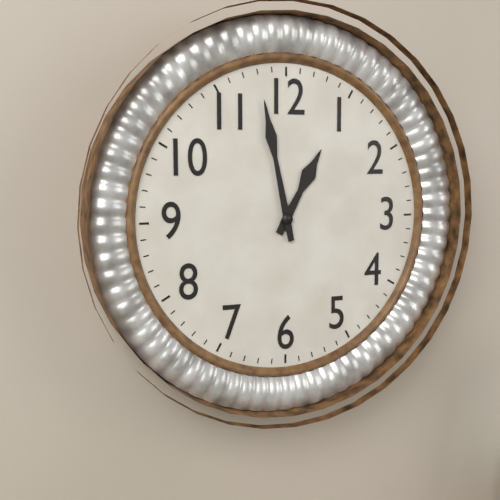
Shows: 12,58
